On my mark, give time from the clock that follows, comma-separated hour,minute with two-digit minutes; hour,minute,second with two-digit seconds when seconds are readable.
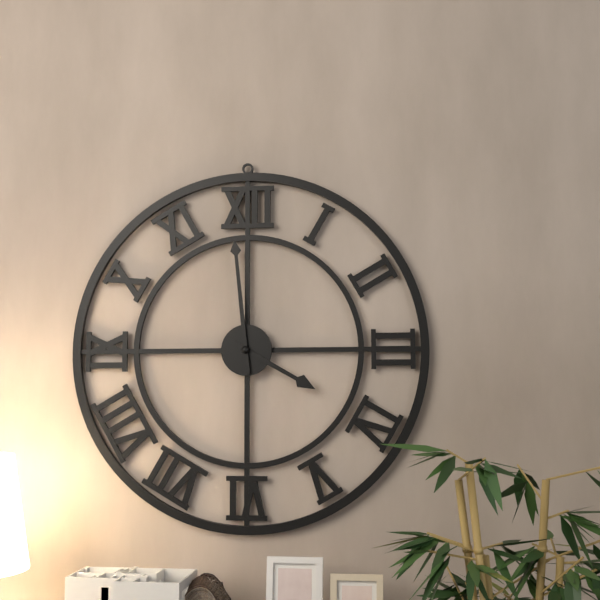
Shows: 3,59
